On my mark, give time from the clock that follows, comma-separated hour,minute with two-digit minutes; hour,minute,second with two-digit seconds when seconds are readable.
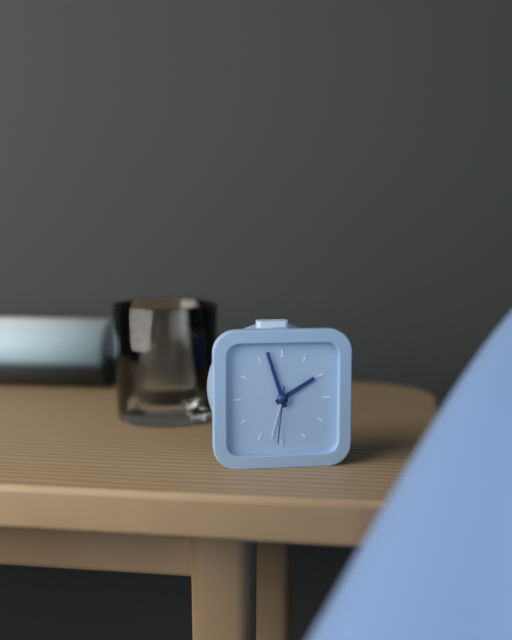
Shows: 1,57,31
